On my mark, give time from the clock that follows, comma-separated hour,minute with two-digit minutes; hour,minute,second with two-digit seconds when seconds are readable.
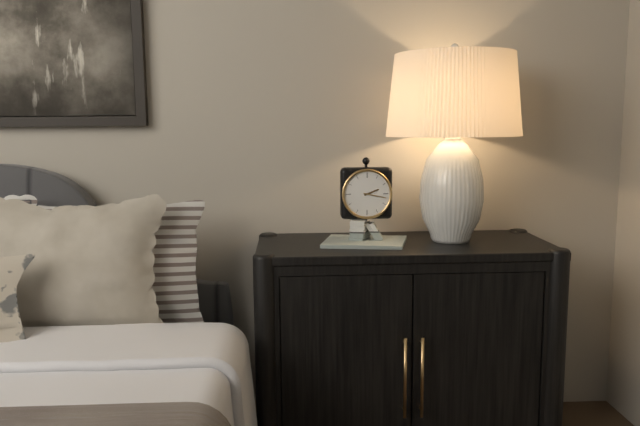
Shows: 2,17
